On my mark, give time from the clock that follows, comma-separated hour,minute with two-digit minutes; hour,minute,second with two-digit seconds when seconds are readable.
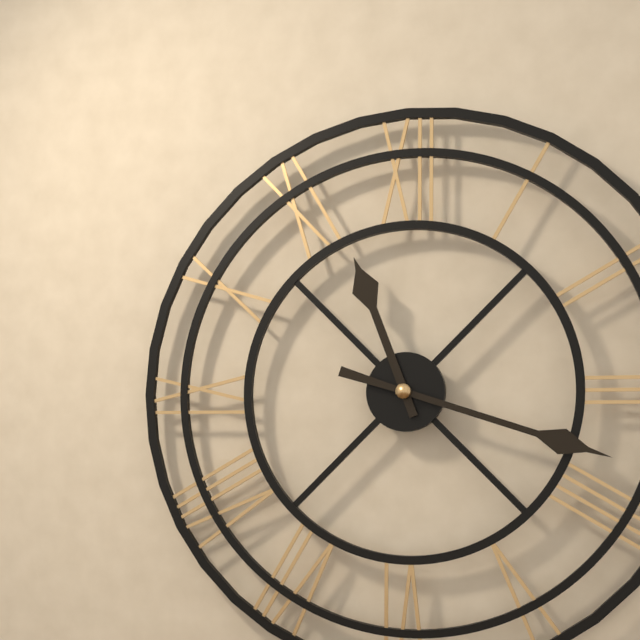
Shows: 11,18
